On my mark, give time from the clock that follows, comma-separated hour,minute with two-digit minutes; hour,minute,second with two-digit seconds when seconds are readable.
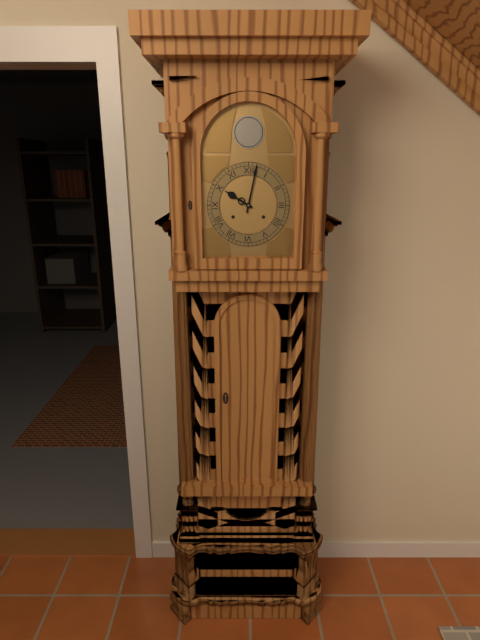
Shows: 10,02
